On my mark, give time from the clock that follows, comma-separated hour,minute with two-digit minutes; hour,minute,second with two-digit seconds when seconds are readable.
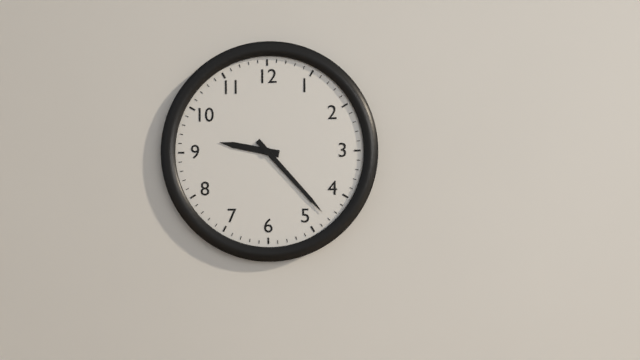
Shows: 9,23
